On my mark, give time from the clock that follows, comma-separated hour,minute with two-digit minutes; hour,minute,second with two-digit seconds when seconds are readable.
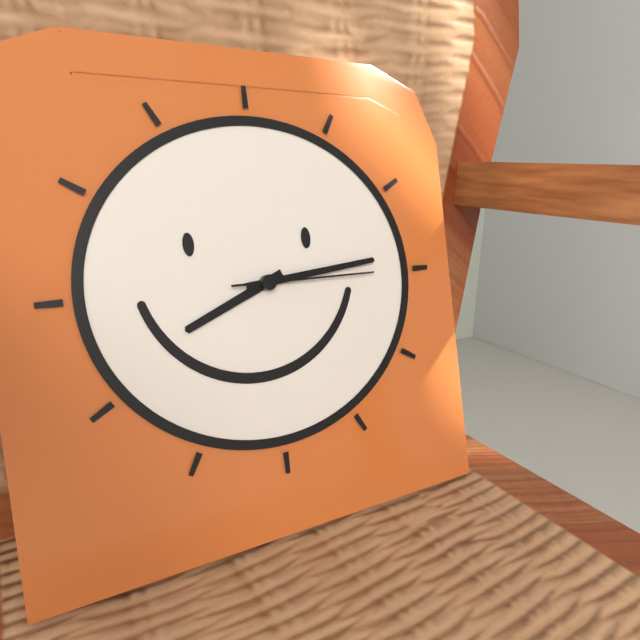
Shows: 8,14,15
